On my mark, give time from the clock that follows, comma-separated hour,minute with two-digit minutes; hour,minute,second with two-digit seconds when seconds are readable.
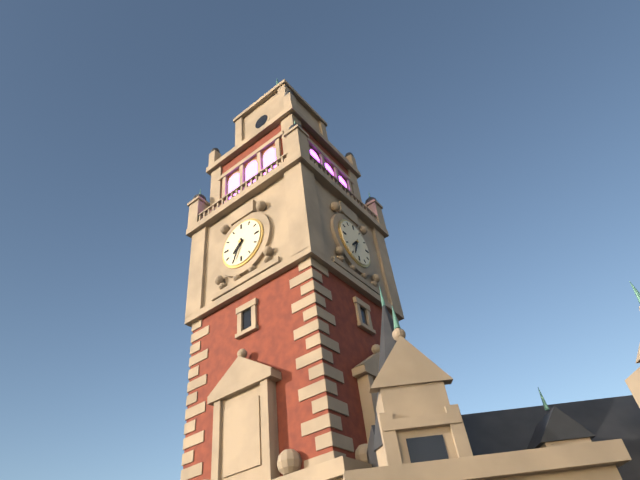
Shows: 7,34
